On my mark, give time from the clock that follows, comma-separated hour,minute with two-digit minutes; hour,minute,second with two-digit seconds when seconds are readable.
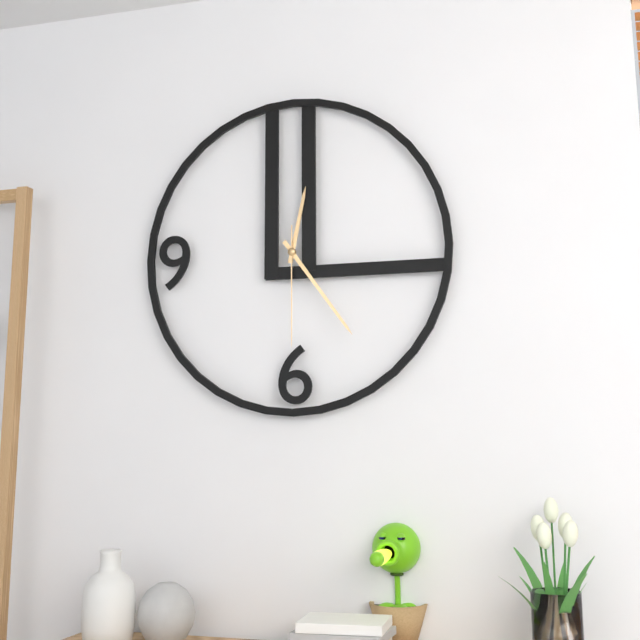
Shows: 12,24,30
